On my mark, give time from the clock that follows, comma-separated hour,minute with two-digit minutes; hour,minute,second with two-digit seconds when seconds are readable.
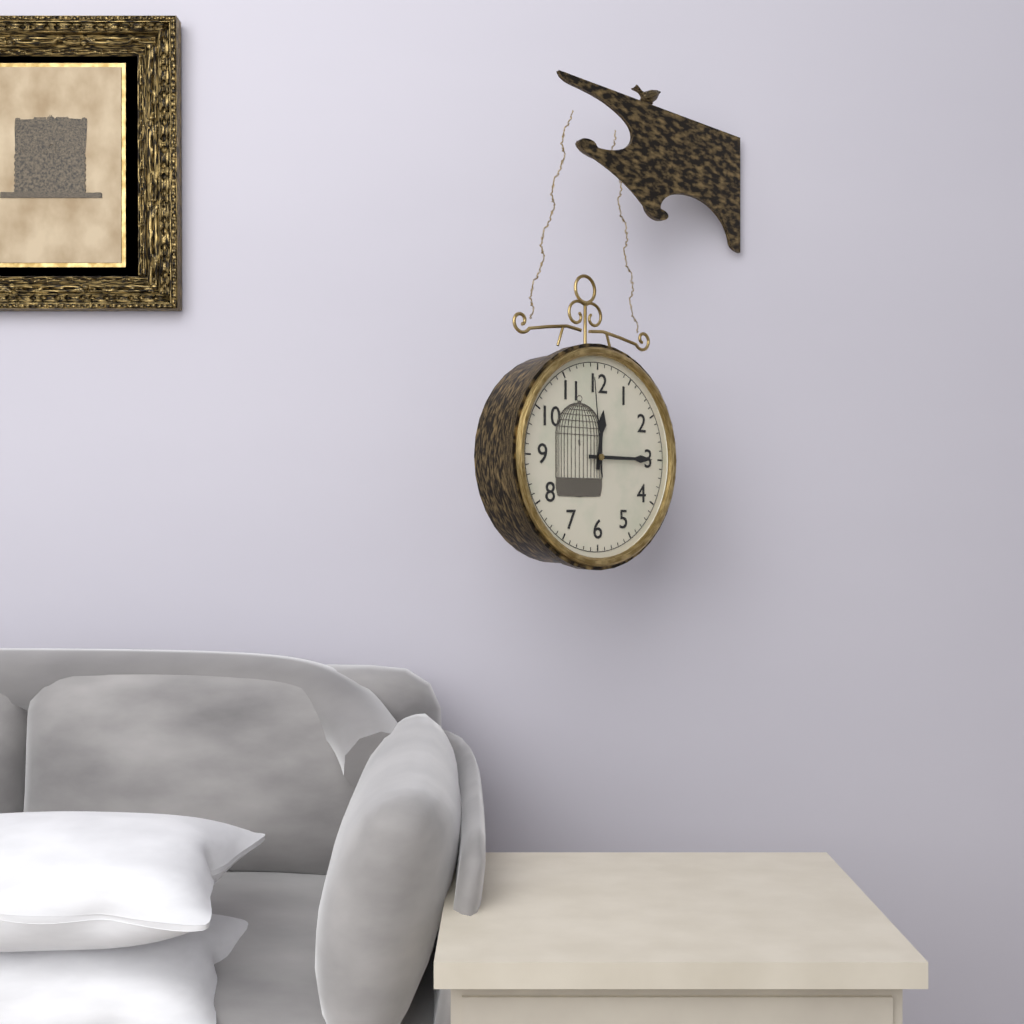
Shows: 12,15,59
